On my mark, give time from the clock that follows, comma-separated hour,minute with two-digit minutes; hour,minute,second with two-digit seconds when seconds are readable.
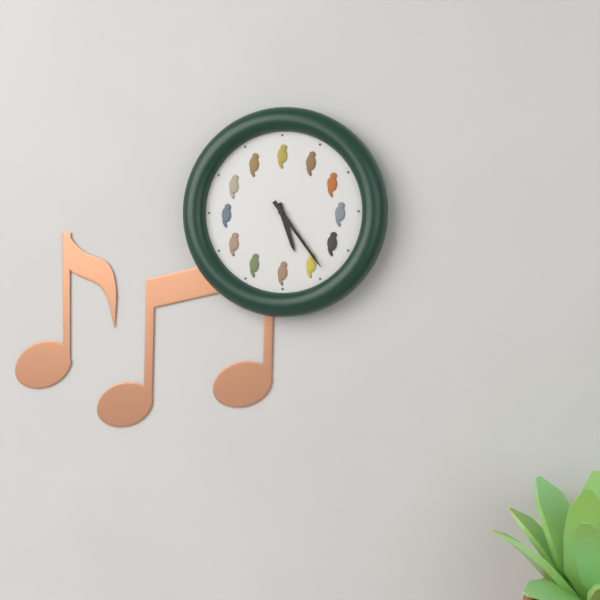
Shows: 5,24
